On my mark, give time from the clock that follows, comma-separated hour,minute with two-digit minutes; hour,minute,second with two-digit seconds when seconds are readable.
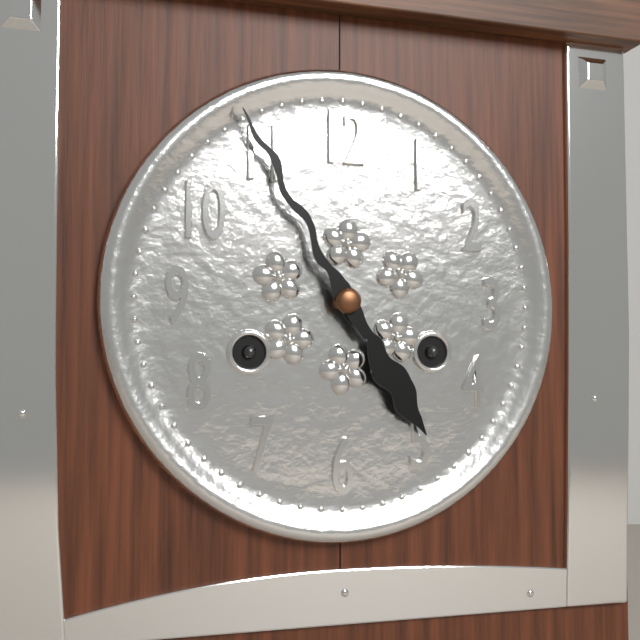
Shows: 4,55
